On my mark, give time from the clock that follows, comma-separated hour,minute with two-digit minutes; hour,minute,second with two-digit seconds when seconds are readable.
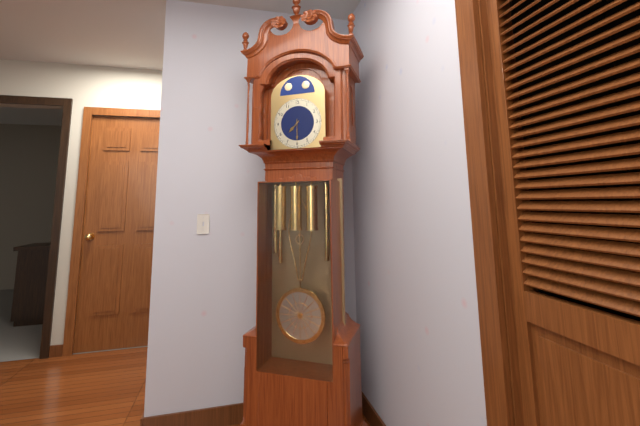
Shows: 7,30
